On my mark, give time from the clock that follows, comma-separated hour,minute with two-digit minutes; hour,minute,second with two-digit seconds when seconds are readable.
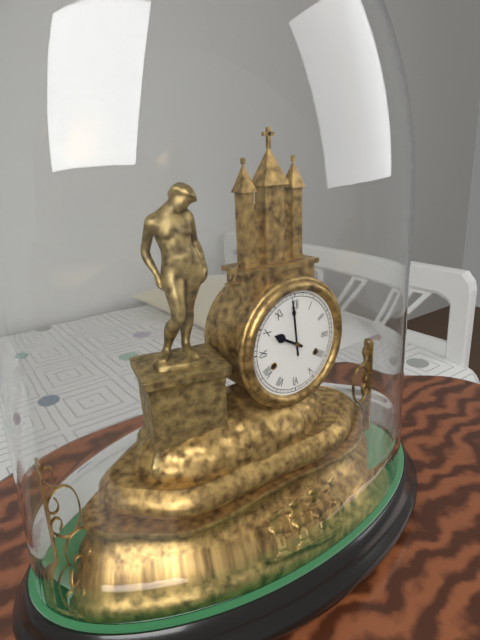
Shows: 9,59
